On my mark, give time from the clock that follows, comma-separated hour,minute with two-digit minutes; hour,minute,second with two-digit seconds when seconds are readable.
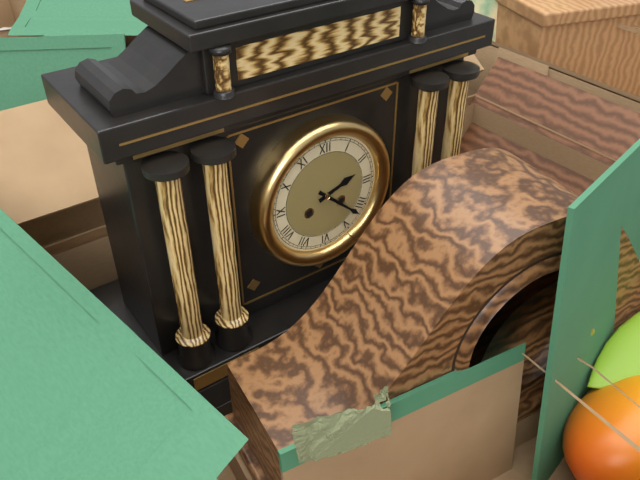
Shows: 2,22
